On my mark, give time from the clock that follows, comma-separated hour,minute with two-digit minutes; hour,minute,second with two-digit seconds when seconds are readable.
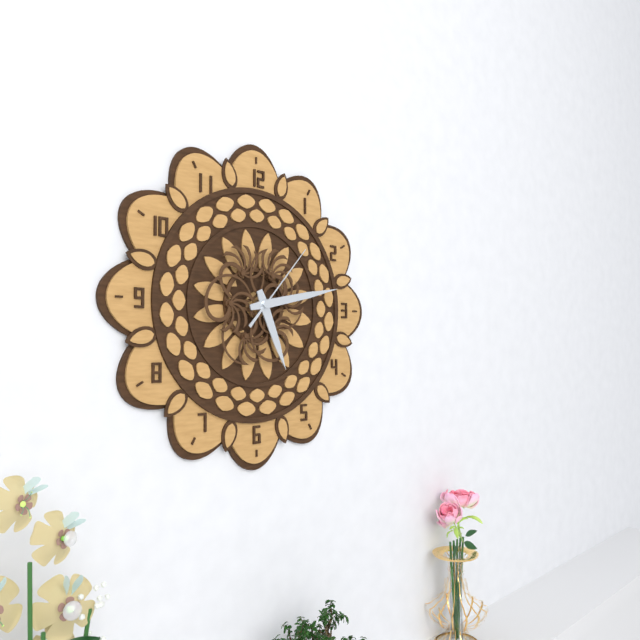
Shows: 5,13,07
